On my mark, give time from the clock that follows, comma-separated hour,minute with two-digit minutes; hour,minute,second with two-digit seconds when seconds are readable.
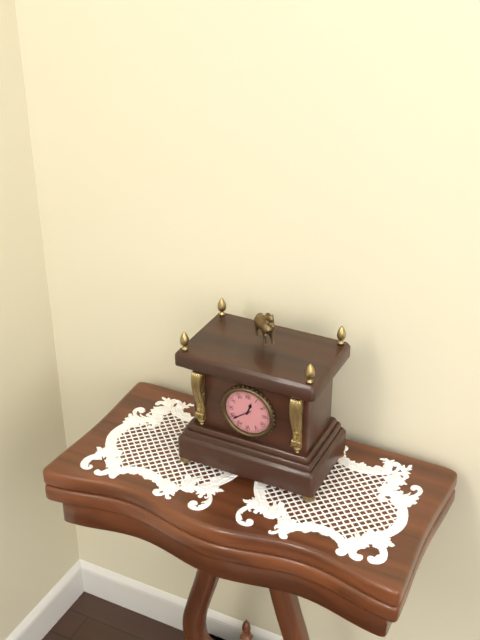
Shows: 12,39
